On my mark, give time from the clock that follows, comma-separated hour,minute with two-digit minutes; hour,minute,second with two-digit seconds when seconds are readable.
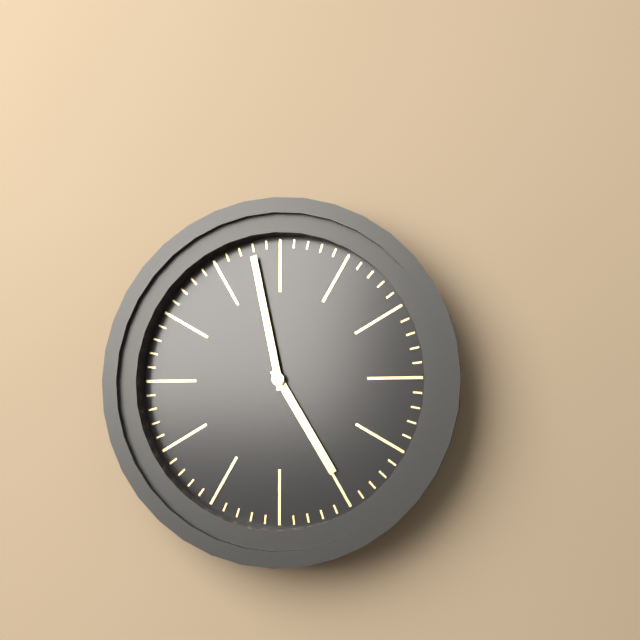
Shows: 4,58
